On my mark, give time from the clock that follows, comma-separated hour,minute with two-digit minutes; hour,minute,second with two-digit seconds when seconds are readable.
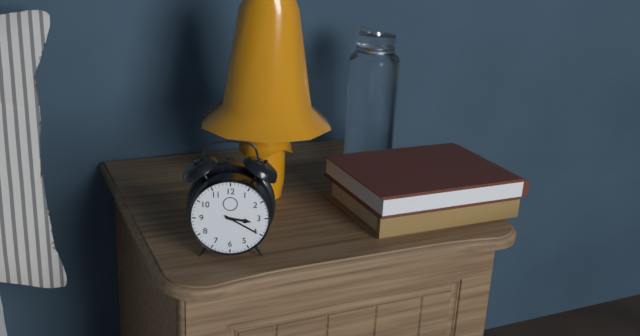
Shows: 3,20
